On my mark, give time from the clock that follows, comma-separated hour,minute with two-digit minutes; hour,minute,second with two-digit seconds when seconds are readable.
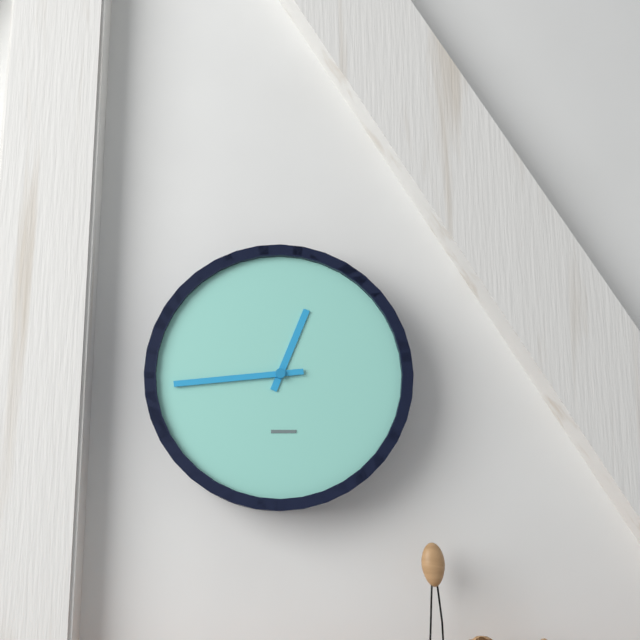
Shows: 12,44
